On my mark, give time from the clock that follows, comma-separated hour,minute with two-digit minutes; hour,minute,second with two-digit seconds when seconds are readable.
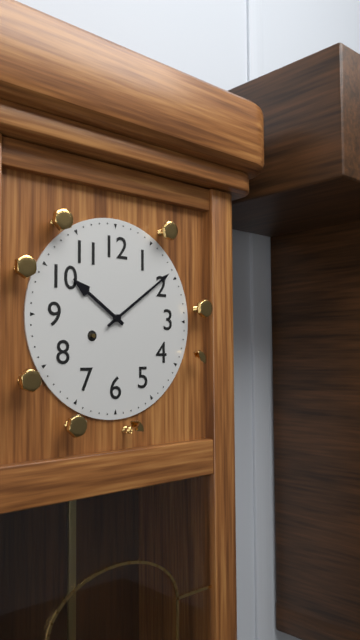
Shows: 10,09
